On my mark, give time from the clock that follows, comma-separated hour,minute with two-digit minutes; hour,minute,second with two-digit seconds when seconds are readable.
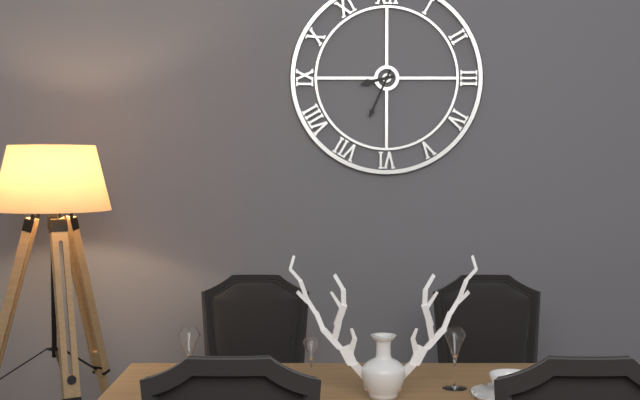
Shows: 8,34
